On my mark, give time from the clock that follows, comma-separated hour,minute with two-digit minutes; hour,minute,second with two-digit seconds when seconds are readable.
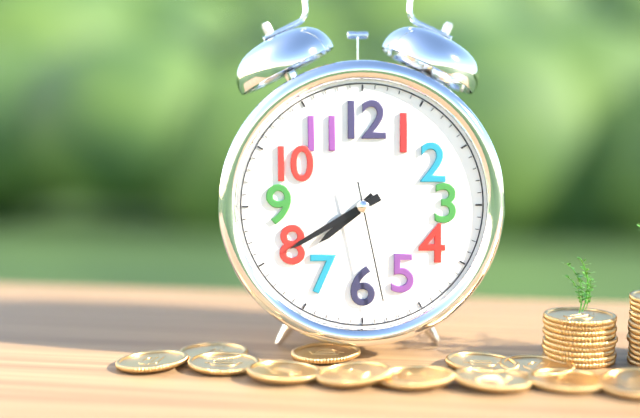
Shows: 7,40,28
